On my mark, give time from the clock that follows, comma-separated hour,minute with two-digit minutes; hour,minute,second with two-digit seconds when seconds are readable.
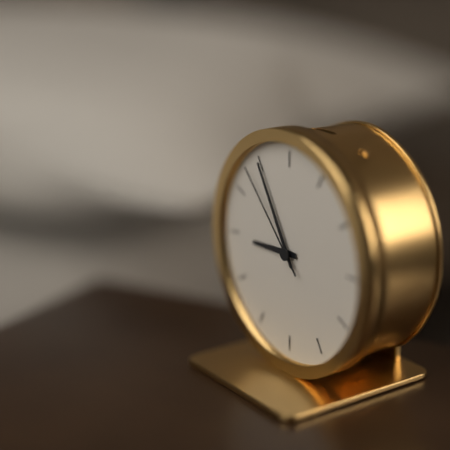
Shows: 8,55,53
